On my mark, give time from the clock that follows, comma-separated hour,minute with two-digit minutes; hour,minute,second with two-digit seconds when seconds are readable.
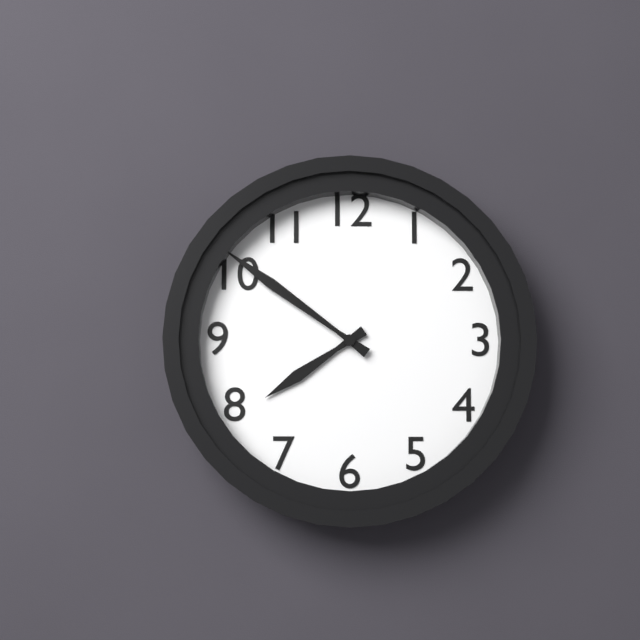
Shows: 7,51
